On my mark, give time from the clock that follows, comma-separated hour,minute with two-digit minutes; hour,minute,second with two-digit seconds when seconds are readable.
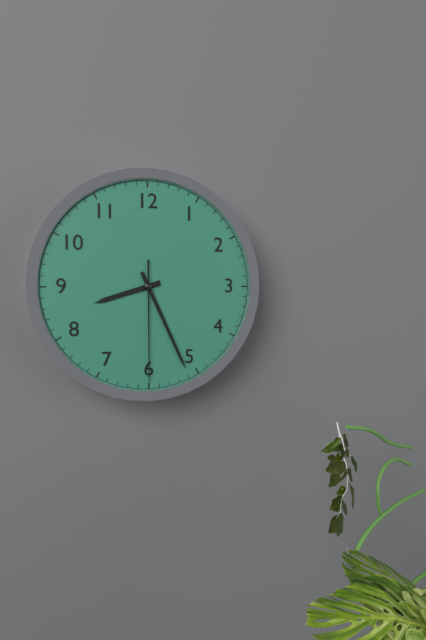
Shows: 8,26,30
